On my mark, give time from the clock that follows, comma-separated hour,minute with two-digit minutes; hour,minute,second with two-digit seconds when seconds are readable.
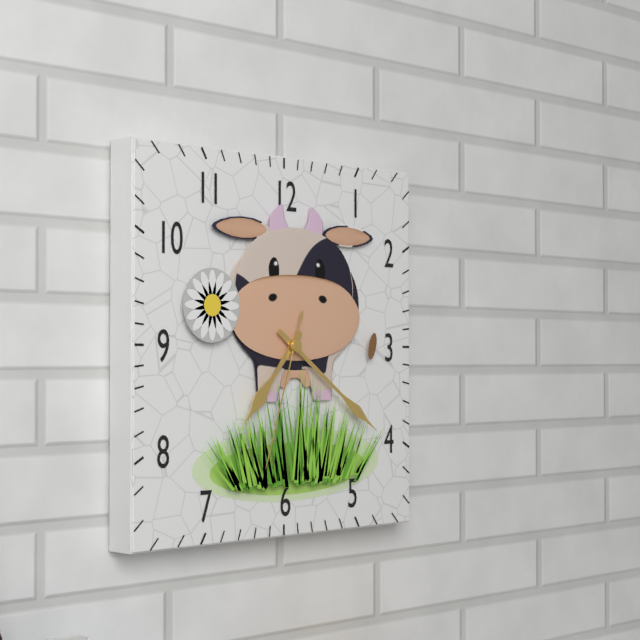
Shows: 7,21,33
